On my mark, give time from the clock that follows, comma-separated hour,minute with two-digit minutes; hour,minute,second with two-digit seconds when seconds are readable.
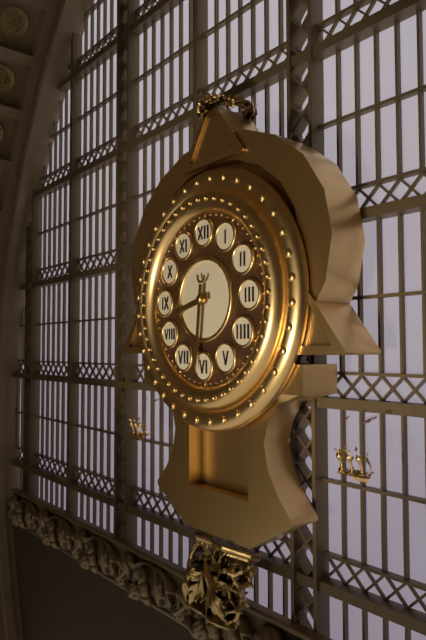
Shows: 8,31
